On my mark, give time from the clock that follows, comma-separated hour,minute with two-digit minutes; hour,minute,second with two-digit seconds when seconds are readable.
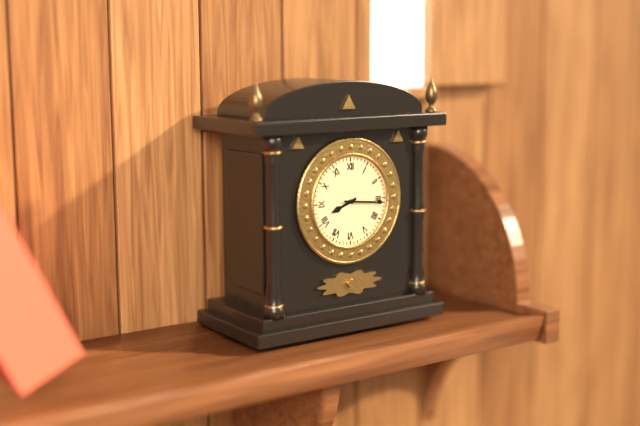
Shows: 8,16
